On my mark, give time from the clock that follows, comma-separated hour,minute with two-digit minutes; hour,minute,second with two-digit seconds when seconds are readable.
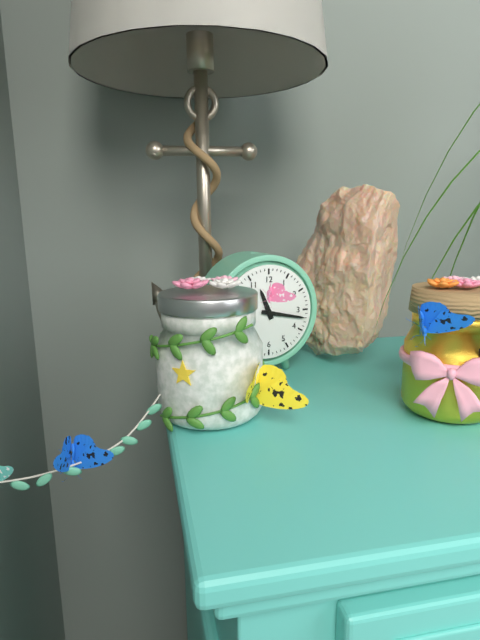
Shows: 11,17
